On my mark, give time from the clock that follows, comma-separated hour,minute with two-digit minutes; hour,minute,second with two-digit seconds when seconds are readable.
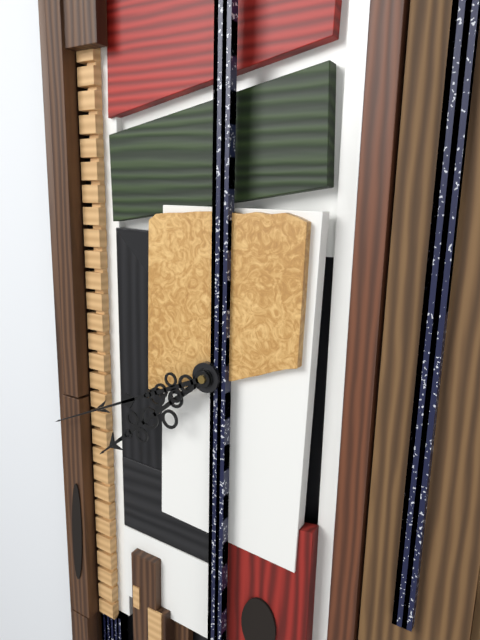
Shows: 7,41
